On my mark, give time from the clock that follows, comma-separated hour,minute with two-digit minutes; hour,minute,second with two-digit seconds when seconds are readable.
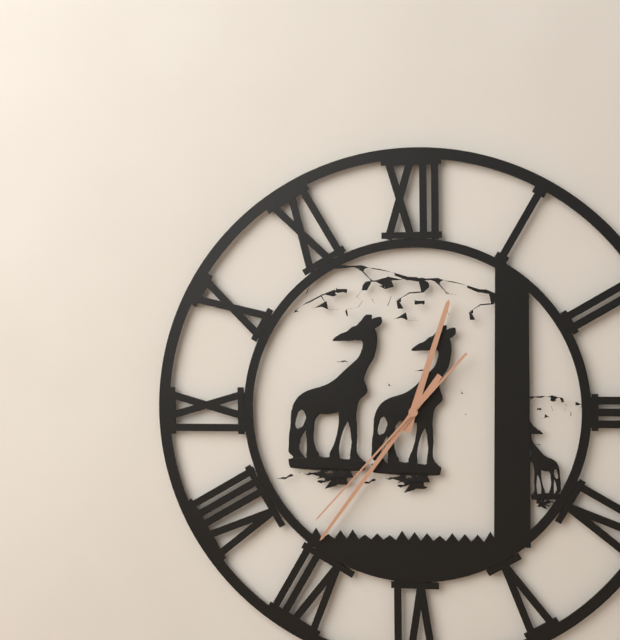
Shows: 12,36,37
